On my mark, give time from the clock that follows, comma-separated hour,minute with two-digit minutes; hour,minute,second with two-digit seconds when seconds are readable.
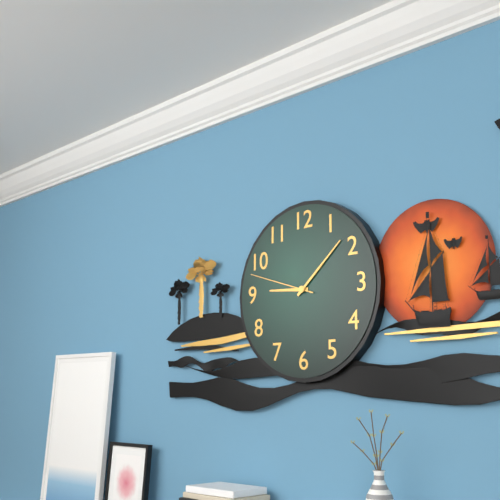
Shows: 9,08,48
